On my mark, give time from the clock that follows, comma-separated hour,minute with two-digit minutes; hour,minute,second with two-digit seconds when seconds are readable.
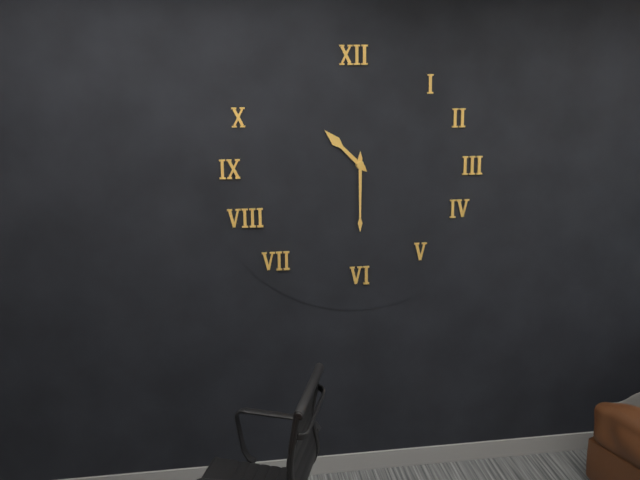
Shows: 10,30
